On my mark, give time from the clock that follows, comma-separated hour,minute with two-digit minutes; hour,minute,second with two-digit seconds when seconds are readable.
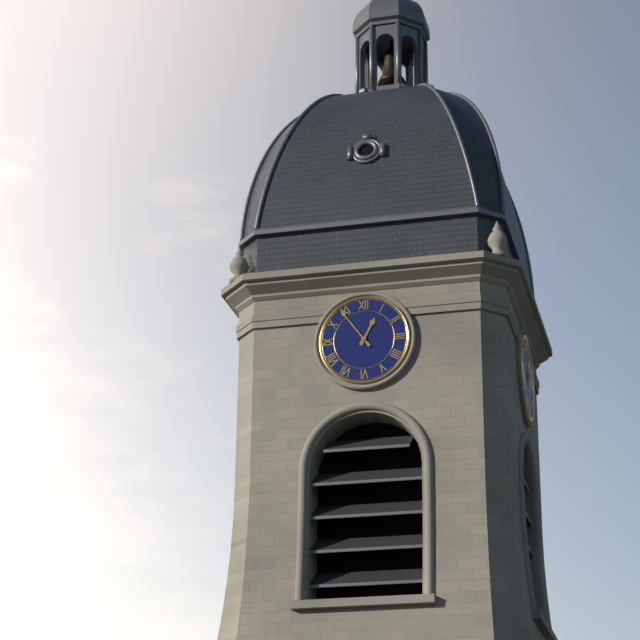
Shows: 12,54
